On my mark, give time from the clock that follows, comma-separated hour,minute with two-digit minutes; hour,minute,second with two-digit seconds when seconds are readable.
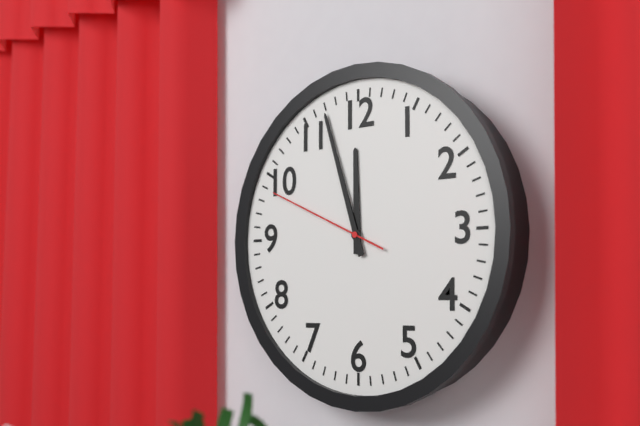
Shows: 11,57,49
